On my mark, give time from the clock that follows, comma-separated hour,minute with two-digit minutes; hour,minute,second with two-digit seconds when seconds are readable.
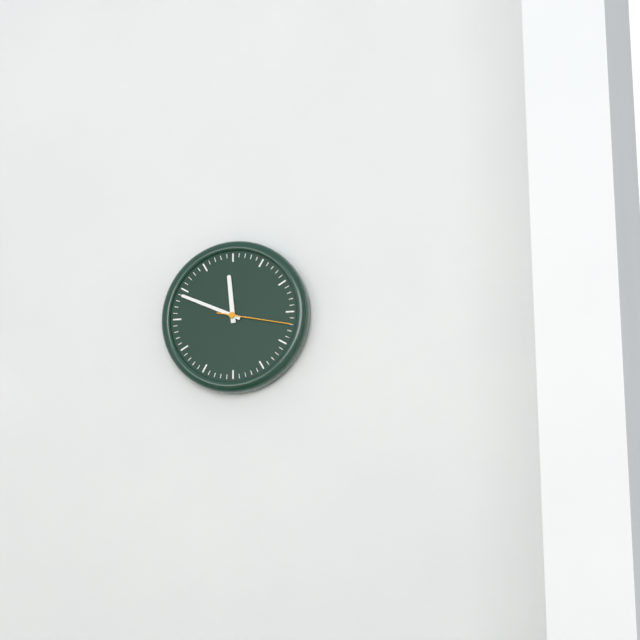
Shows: 11,49,17
